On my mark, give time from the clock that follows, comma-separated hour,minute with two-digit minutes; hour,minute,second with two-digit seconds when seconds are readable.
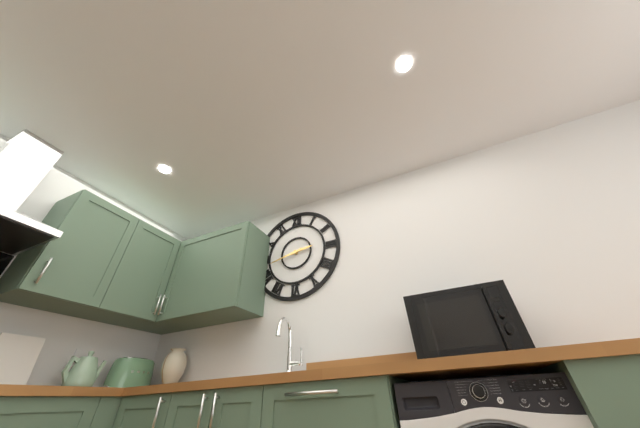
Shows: 2,43
